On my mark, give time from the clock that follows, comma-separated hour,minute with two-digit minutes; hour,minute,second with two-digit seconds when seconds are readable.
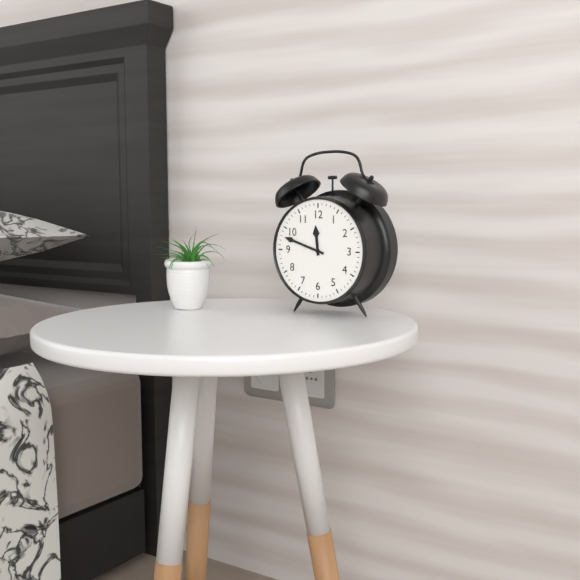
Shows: 11,48
